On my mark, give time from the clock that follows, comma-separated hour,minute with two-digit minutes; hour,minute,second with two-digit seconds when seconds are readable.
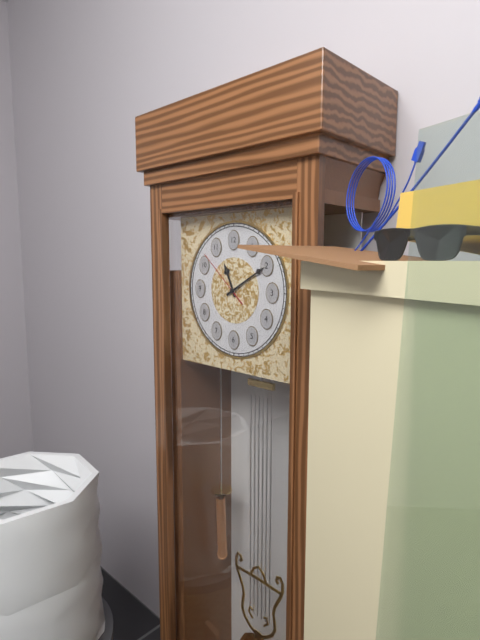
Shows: 11,10,52
